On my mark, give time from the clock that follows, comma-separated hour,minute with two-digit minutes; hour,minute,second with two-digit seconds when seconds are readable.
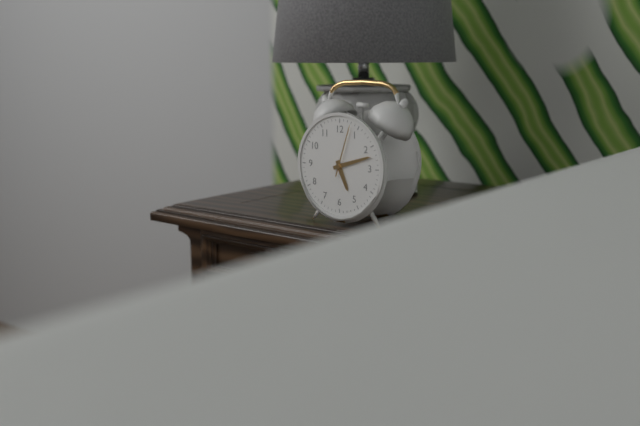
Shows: 5,12,03
